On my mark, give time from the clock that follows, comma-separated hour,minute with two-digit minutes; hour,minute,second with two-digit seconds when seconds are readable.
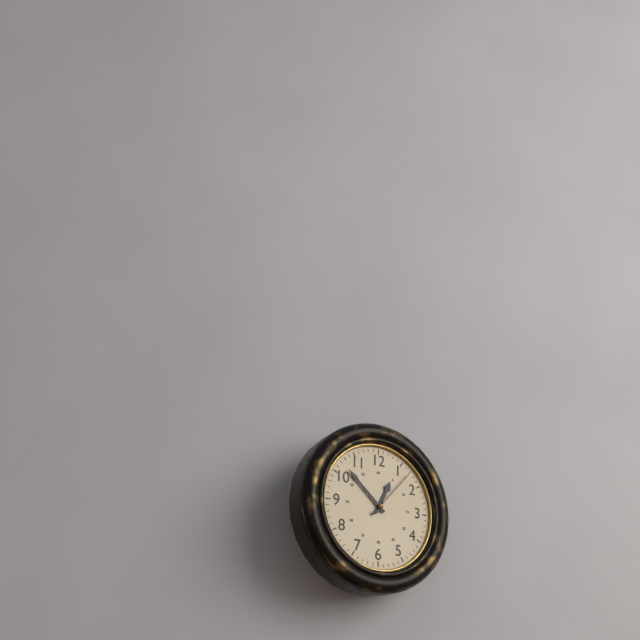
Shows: 12,52,07
